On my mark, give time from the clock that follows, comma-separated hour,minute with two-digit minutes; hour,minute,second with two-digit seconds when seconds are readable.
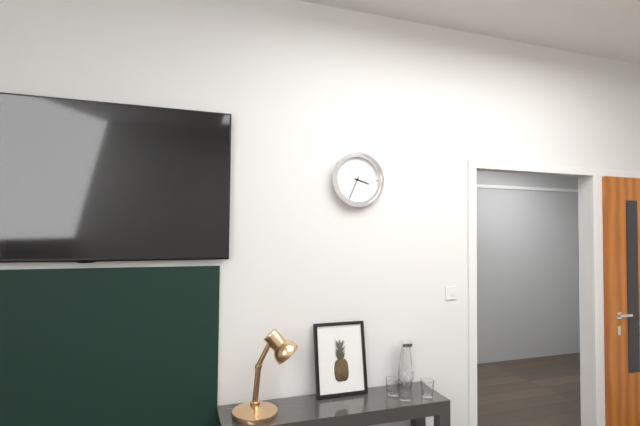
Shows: 3,34
